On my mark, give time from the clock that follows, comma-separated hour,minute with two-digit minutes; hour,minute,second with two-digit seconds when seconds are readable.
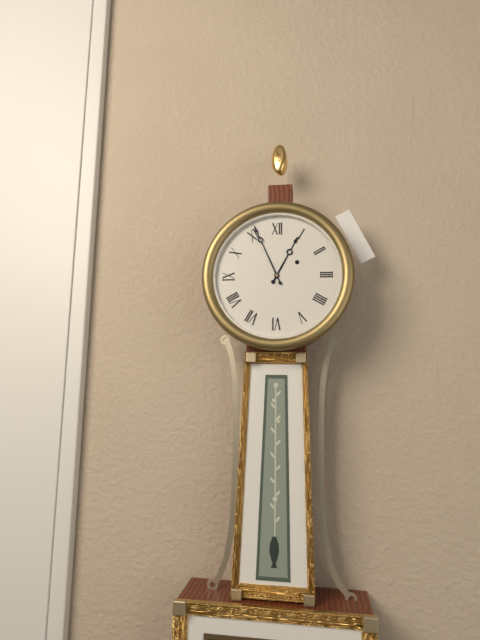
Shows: 12,56
